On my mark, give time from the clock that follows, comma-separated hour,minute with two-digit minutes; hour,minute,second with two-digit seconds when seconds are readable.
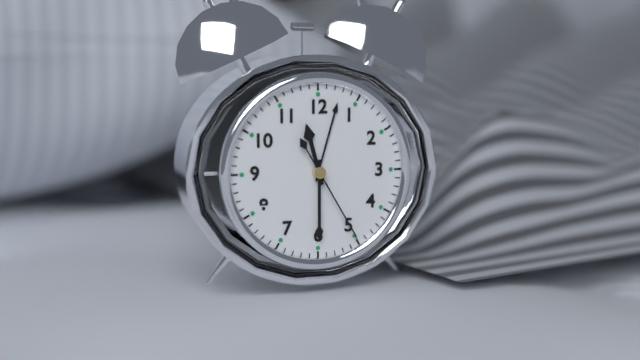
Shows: 11,30,25
